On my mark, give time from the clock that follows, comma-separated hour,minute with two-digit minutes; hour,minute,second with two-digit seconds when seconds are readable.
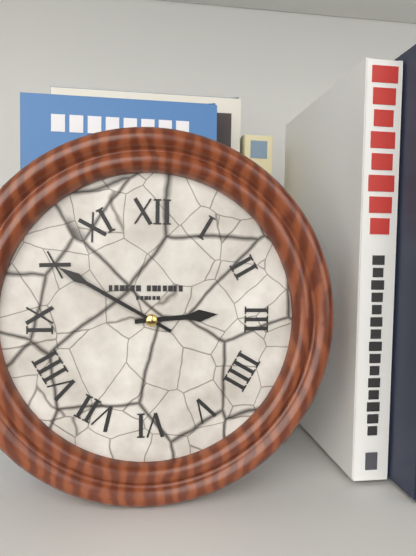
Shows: 2,50
